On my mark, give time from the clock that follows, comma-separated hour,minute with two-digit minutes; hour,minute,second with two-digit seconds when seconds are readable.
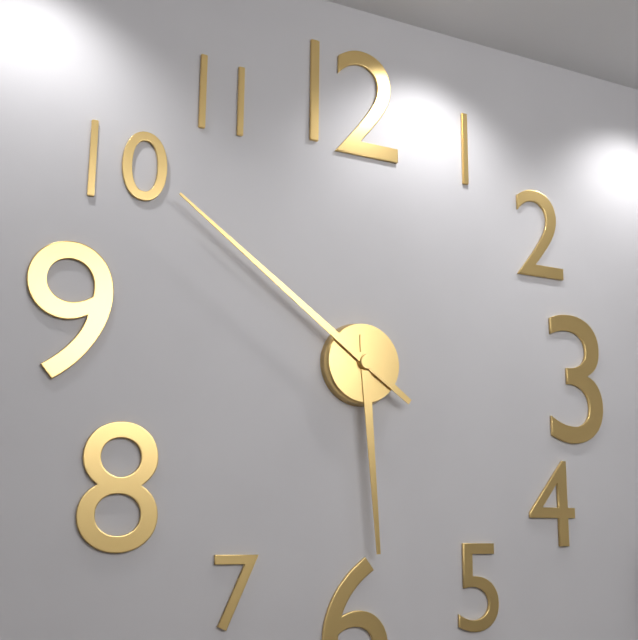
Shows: 5,51
